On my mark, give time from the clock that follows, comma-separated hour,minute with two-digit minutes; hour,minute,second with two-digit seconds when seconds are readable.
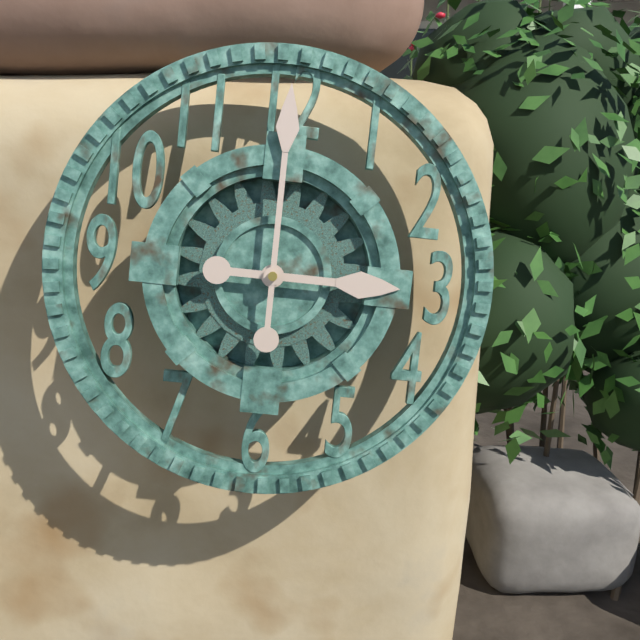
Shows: 3,00
